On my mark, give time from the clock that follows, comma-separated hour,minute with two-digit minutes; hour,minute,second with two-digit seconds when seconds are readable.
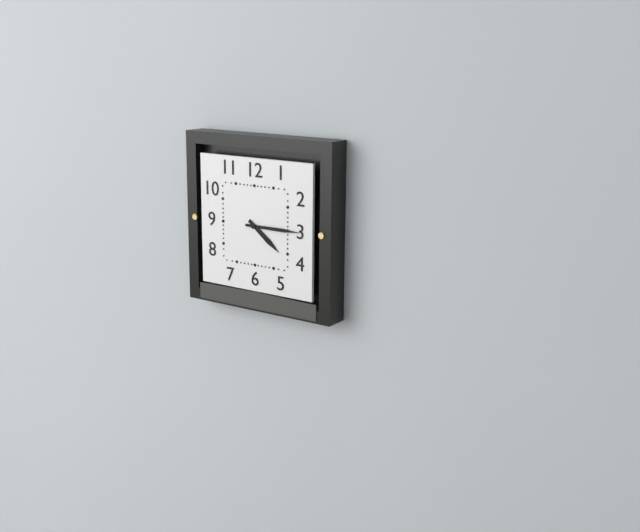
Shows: 4,15
